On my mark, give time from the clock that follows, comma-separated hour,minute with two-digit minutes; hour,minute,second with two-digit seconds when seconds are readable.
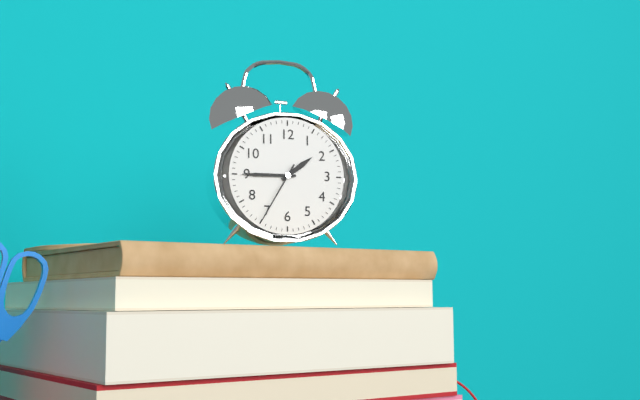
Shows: 1,45,35
